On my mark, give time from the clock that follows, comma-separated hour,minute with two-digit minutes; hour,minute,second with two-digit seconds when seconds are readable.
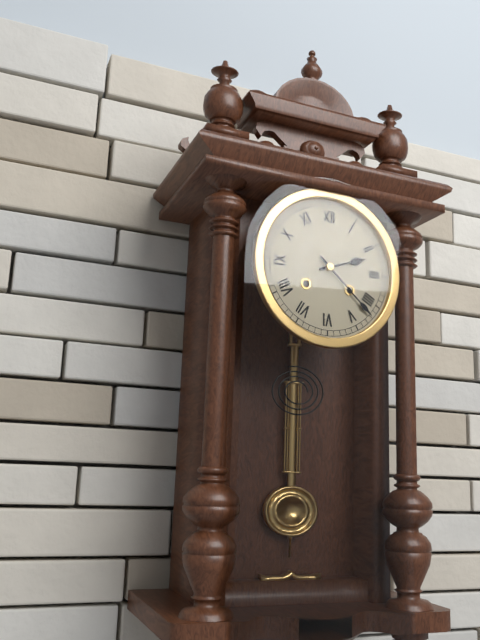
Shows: 2,22
